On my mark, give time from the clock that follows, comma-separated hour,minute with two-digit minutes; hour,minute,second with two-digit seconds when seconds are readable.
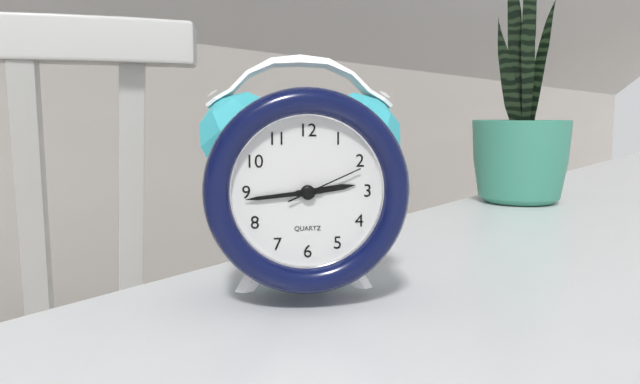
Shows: 2,44,11
